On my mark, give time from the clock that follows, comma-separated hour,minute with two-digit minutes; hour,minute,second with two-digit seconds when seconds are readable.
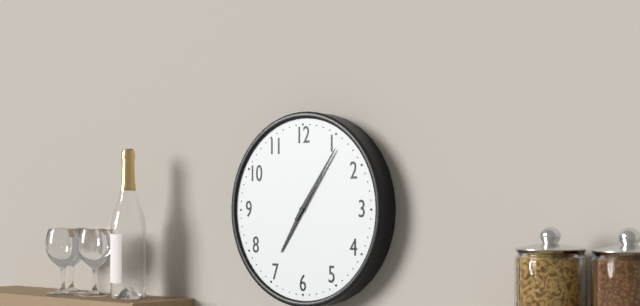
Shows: 7,06
